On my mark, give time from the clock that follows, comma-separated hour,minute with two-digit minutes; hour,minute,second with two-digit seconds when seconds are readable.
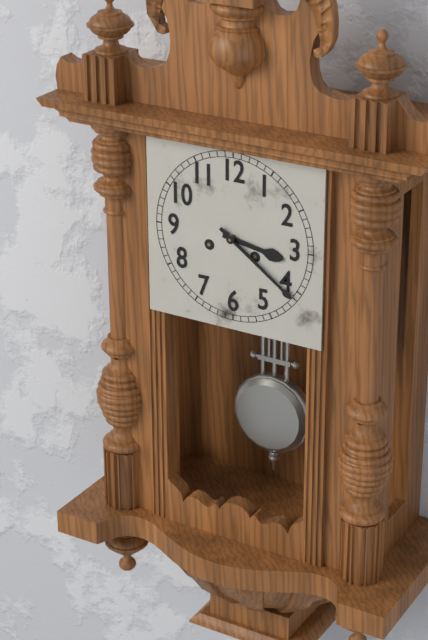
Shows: 3,21
